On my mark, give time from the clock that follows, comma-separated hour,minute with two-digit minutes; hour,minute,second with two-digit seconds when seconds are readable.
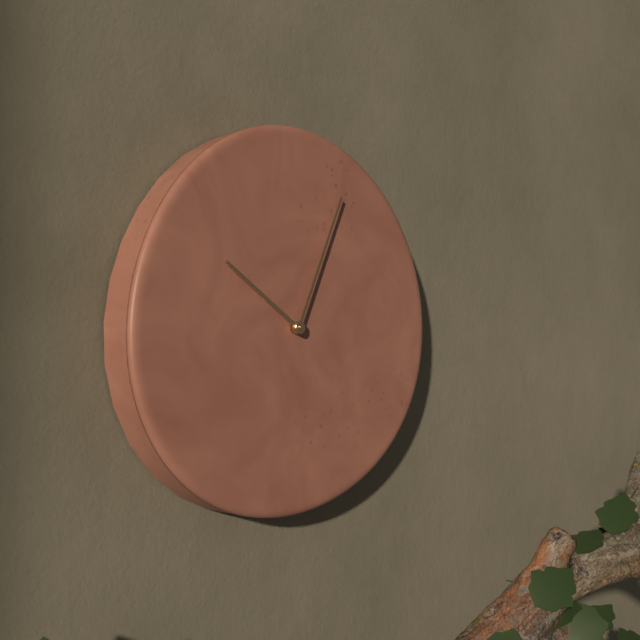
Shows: 10,04
